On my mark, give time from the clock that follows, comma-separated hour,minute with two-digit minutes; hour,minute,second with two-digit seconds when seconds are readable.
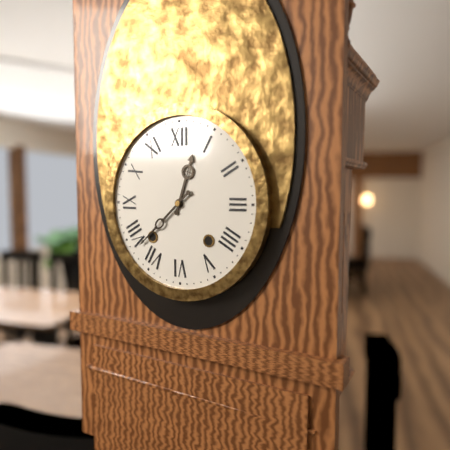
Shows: 12,38
